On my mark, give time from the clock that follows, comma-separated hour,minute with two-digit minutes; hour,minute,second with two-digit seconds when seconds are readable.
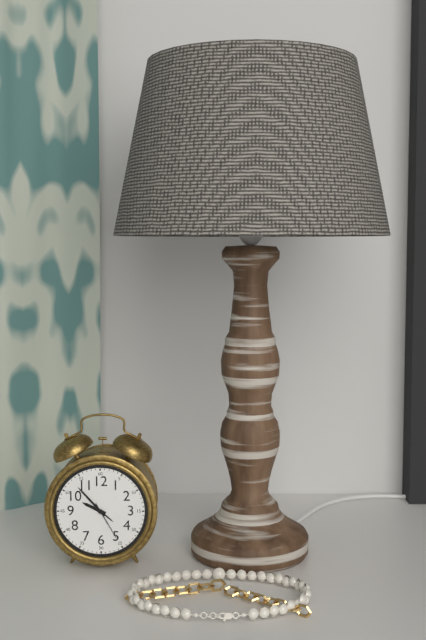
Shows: 9,53
